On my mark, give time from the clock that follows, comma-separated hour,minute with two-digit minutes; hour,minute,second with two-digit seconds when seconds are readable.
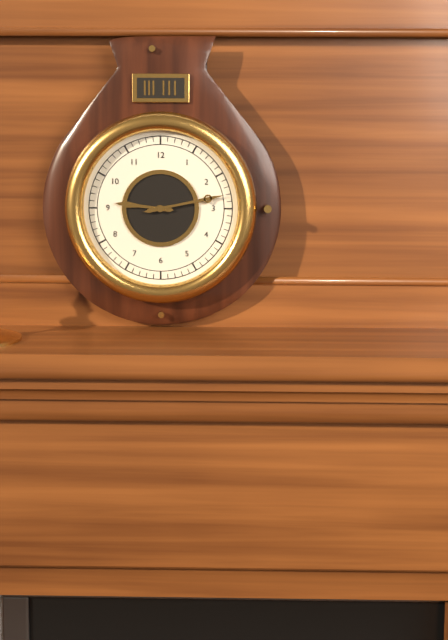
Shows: 9,13
